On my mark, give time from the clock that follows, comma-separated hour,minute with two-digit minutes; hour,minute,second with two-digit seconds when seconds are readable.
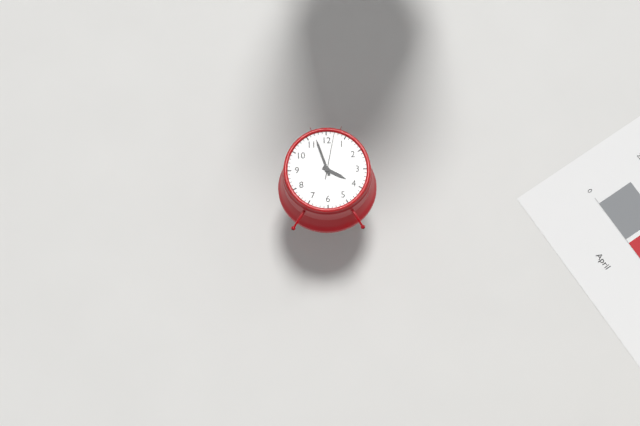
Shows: 3,57
